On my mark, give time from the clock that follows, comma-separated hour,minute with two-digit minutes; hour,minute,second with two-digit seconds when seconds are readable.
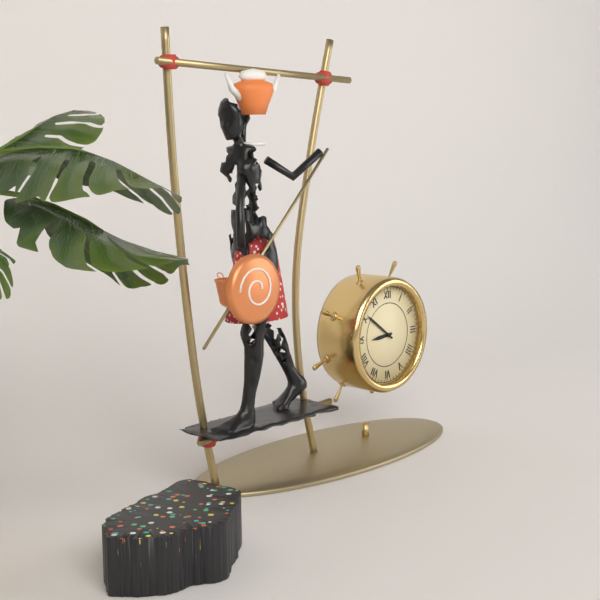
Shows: 8,51
